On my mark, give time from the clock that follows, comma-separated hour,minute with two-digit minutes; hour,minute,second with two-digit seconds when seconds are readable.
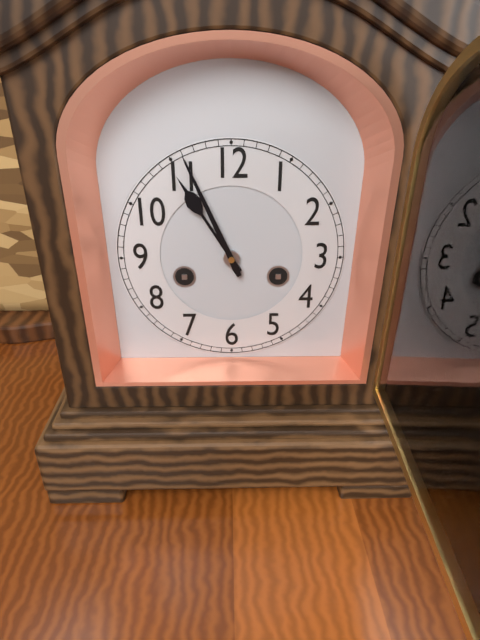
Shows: 10,56
